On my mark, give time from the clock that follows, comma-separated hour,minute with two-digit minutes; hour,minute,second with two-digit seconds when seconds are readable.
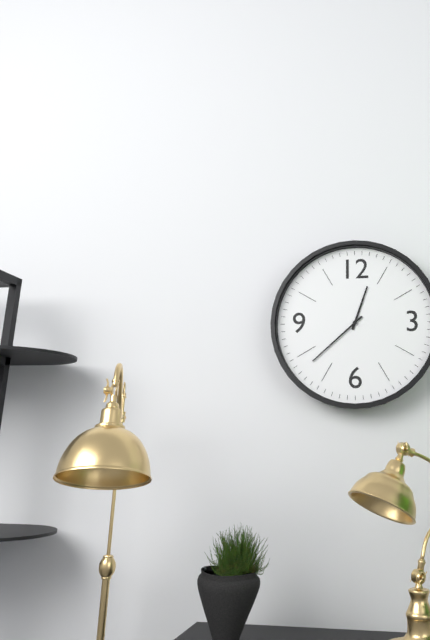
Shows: 12,38
